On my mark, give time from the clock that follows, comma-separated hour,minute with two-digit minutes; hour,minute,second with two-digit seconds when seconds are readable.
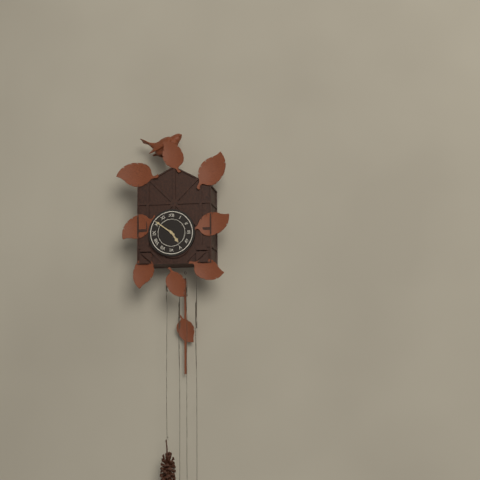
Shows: 4,51
